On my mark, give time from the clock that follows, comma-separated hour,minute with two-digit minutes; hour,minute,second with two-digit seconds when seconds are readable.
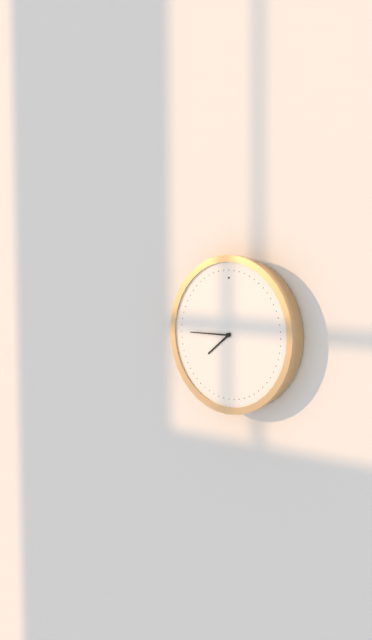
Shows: 7,45
